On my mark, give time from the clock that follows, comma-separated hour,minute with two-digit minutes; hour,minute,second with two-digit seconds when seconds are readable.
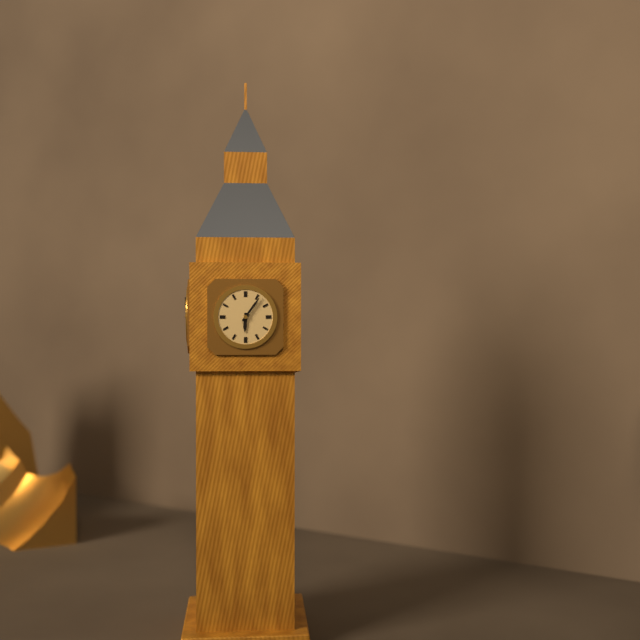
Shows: 6,06
